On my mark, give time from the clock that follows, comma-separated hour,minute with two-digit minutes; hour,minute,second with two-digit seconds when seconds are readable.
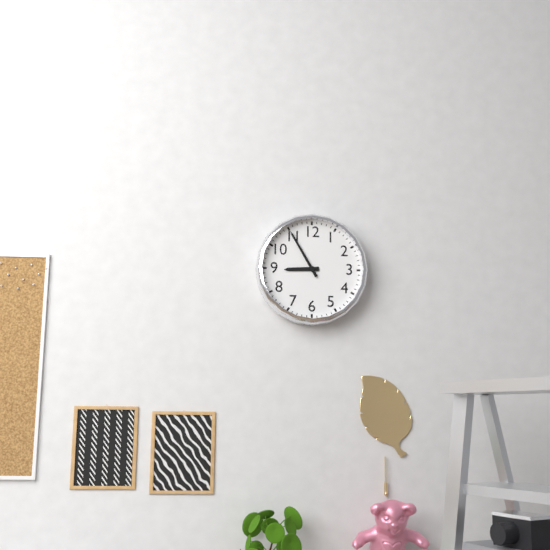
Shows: 8,55
